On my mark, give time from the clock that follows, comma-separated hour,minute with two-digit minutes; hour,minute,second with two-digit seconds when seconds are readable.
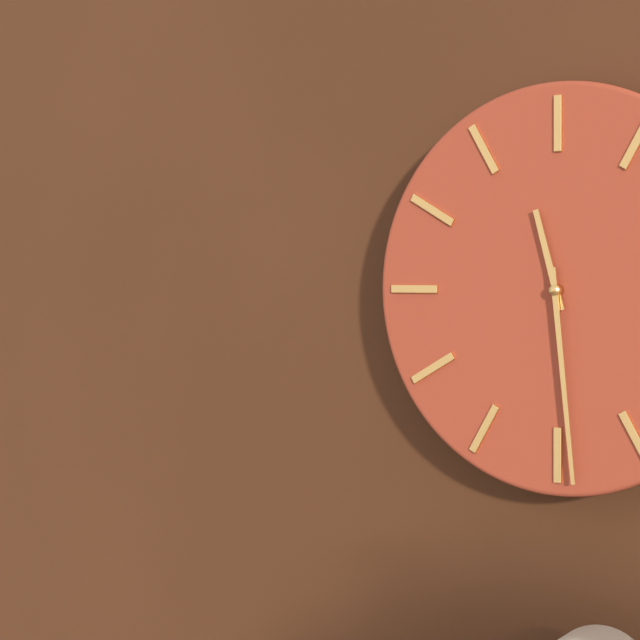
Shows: 11,29
